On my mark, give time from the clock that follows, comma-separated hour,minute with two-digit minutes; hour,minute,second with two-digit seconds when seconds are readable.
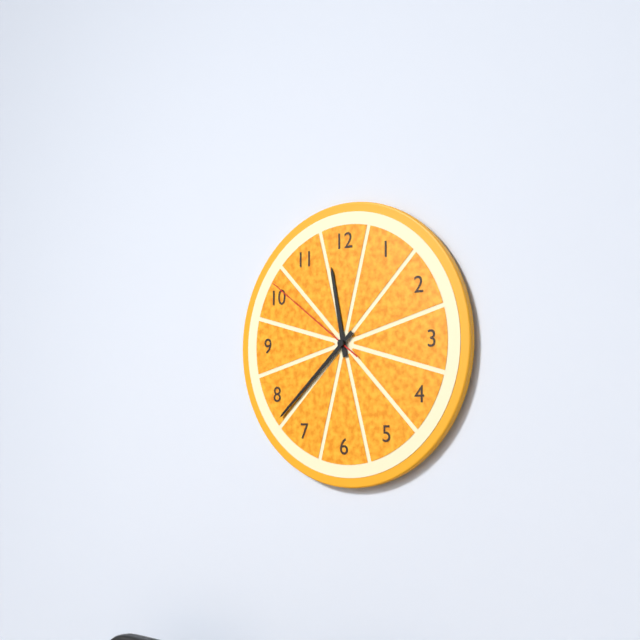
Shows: 11,38,51
